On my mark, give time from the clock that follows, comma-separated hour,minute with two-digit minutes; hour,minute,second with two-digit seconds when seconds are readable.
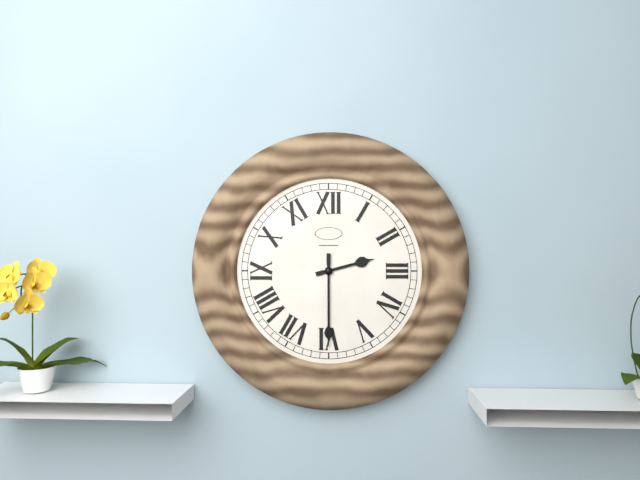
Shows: 2,30
